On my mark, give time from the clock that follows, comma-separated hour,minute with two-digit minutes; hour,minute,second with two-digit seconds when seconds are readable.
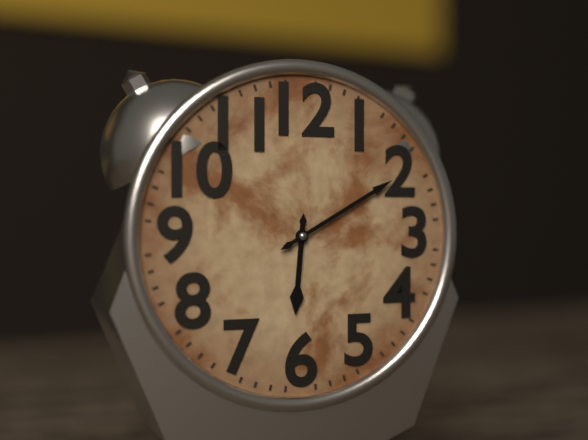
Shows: 6,10
